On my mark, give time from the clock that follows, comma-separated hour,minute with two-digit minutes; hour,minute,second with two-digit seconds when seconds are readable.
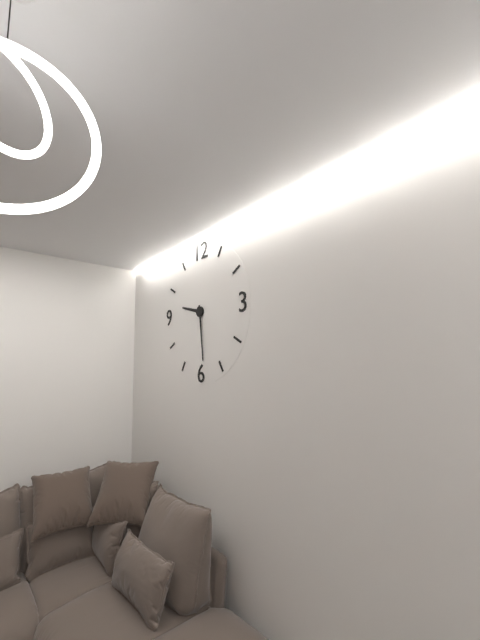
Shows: 9,29
